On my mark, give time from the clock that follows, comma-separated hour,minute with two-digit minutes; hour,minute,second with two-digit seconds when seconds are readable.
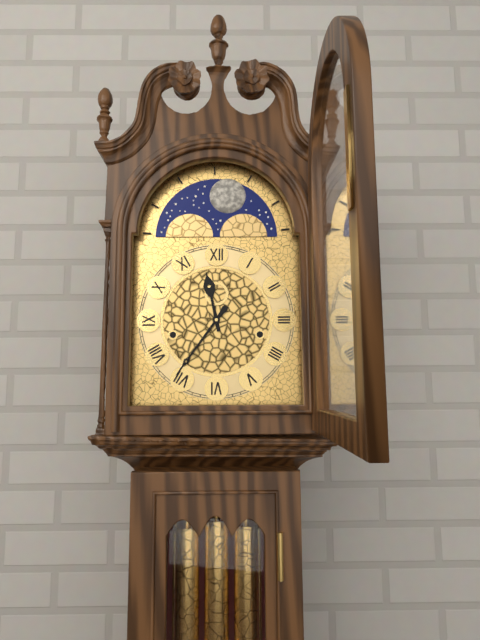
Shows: 11,36
